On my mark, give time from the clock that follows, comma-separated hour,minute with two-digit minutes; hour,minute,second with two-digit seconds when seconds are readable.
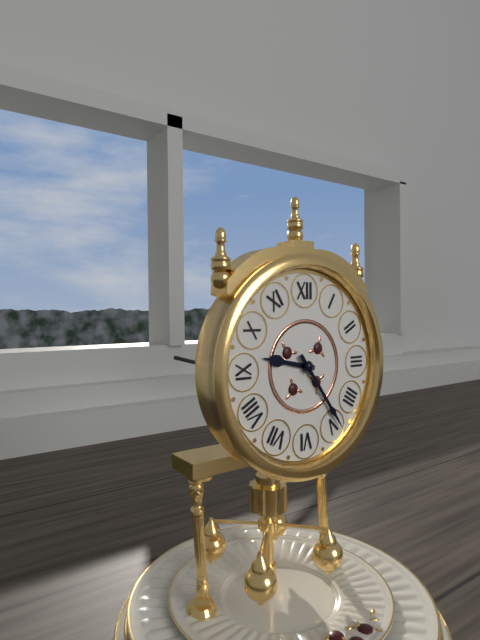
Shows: 9,24
